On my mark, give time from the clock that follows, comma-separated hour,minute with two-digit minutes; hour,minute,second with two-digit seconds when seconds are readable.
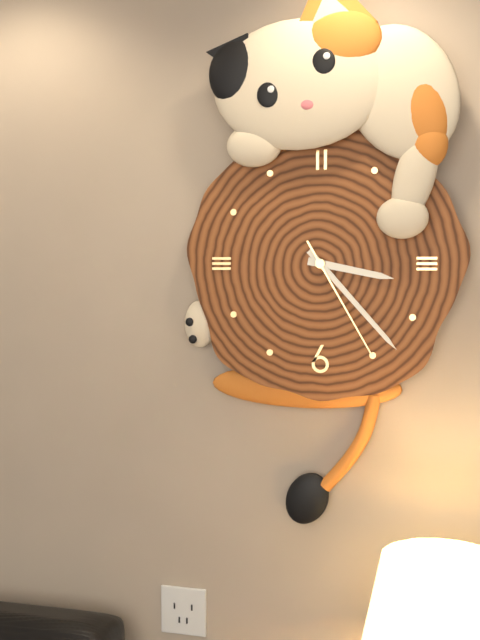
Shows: 3,23,25
